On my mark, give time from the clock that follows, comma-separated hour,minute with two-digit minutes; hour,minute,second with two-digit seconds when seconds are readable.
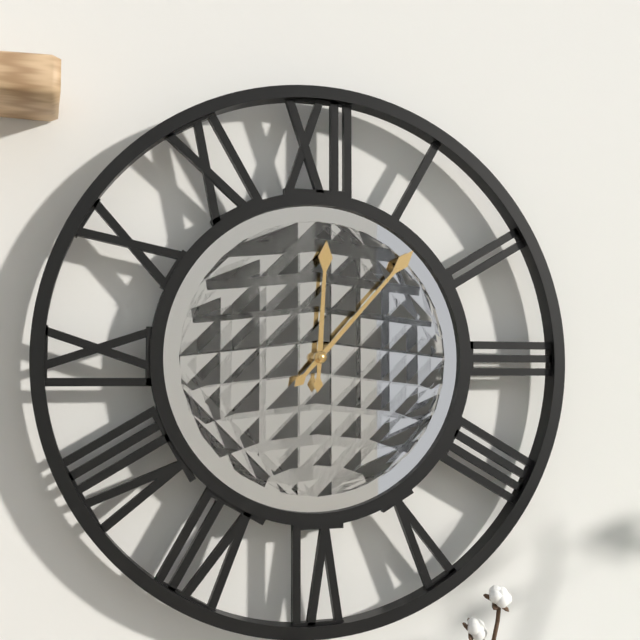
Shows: 12,07
